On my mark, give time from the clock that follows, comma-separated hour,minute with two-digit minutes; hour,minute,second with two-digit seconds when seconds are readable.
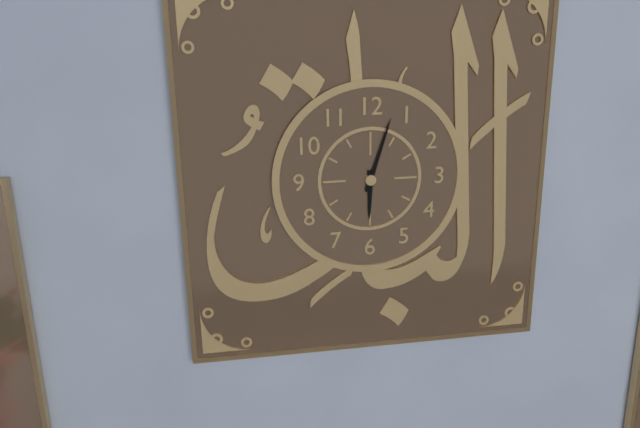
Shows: 6,03
